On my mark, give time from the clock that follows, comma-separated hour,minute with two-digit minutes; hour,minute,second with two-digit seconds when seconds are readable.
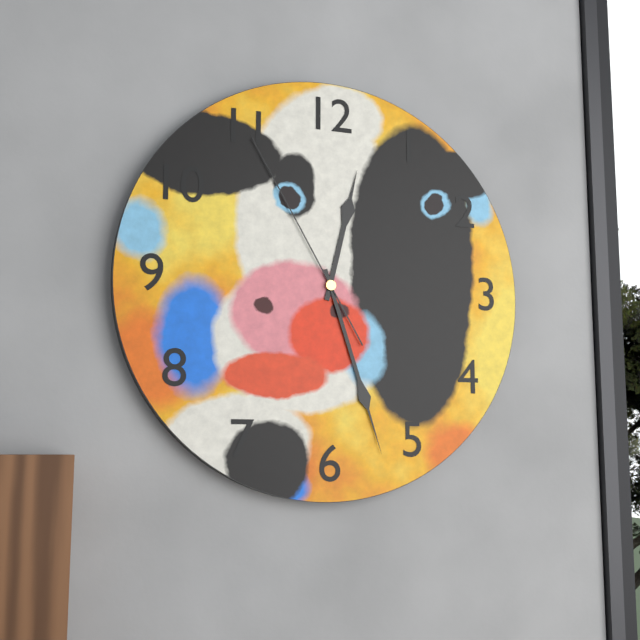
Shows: 12,27,55
